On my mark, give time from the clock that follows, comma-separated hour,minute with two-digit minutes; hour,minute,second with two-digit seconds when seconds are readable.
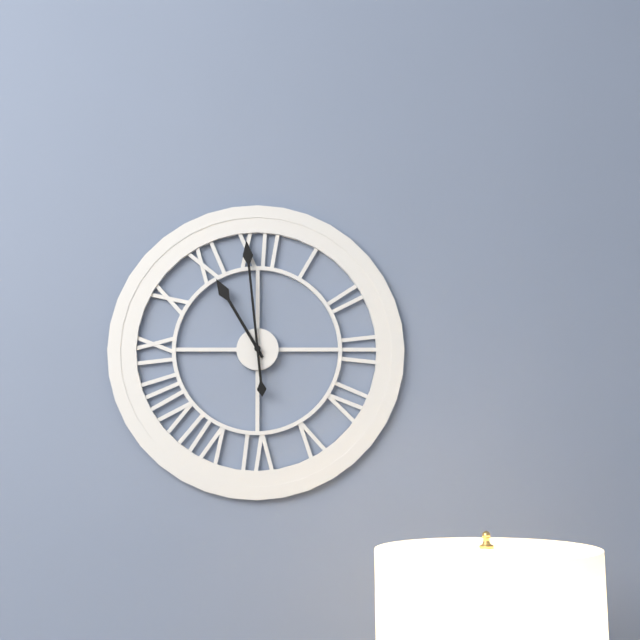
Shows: 10,59
